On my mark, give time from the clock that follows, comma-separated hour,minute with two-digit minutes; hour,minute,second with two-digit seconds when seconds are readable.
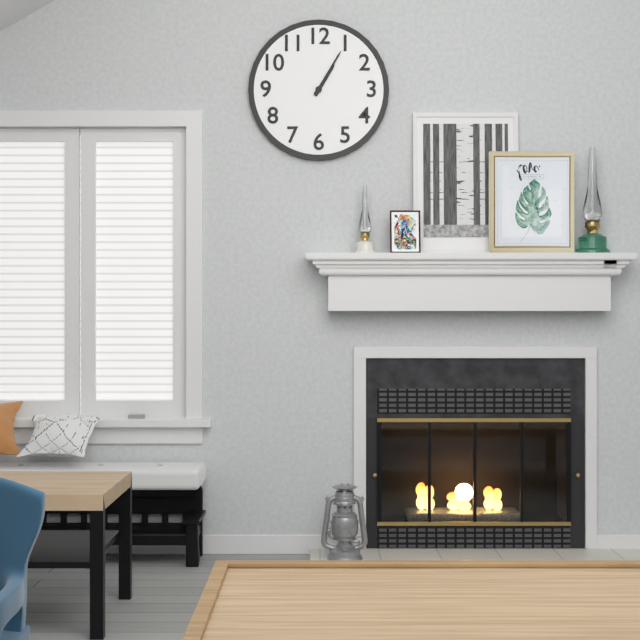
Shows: 1,05
